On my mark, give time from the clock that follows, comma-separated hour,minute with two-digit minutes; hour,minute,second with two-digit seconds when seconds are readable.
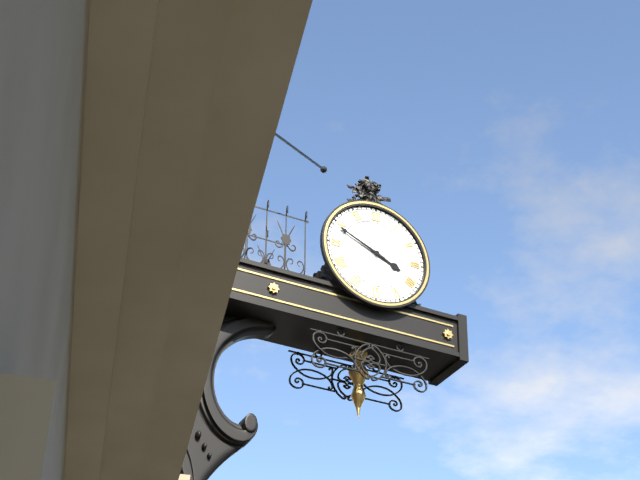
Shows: 3,49
